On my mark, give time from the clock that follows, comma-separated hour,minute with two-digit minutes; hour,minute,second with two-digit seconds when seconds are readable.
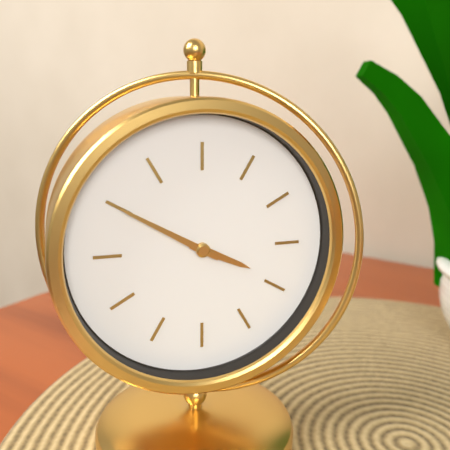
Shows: 3,50
